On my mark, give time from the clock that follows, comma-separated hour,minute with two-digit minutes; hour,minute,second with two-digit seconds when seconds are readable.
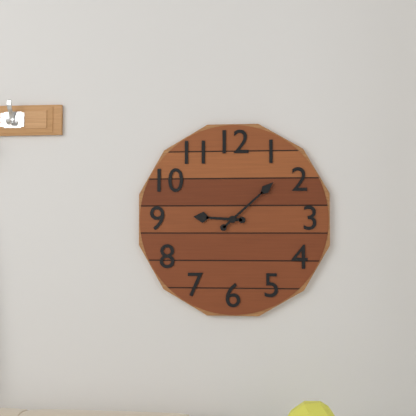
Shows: 9,08
